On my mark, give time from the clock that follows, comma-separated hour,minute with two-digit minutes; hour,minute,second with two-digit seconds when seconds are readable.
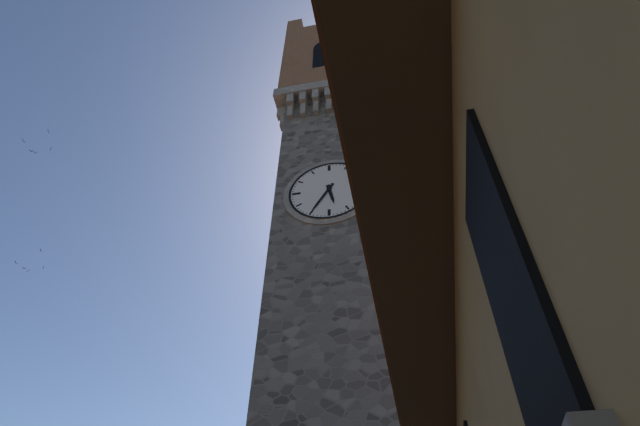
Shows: 5,35
